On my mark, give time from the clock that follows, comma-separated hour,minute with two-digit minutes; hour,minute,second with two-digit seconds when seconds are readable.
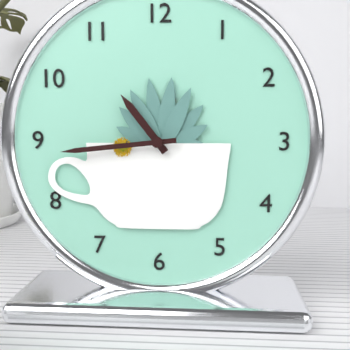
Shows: 10,44
